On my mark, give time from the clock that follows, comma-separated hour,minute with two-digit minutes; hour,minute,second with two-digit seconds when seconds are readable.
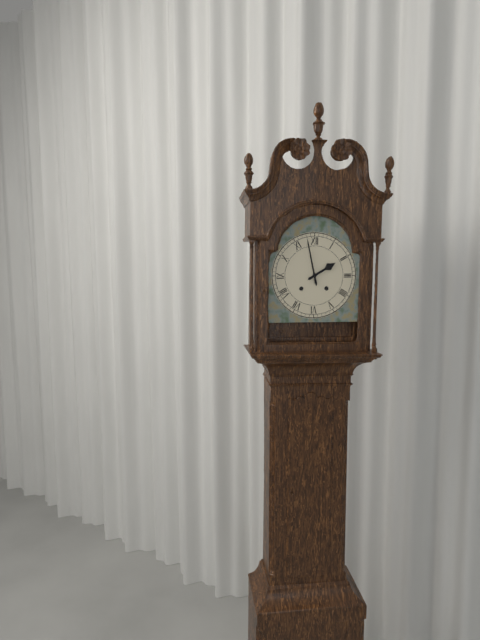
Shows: 1,58
